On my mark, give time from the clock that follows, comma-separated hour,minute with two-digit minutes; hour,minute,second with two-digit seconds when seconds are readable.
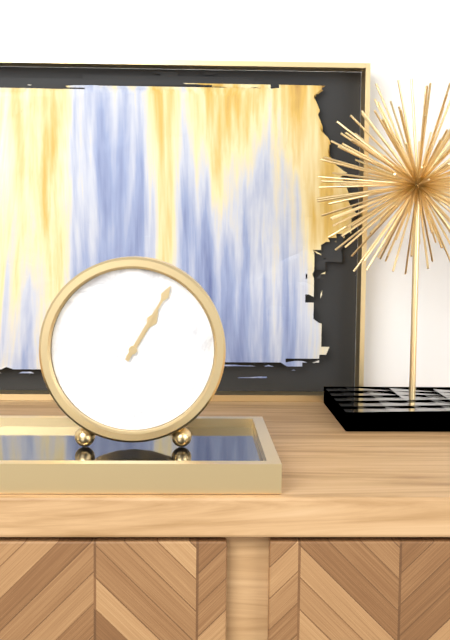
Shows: 1,05
